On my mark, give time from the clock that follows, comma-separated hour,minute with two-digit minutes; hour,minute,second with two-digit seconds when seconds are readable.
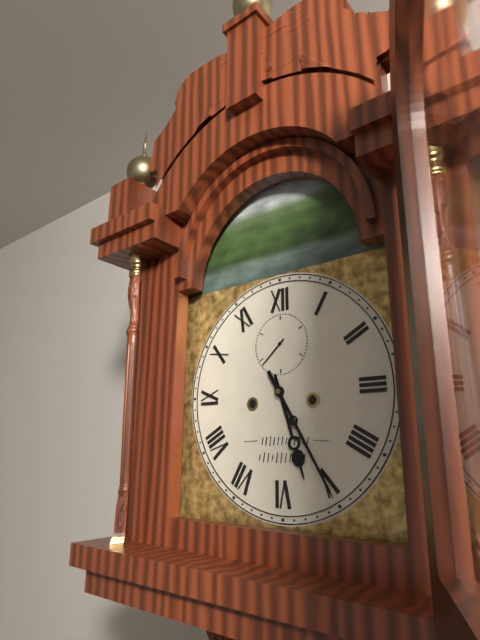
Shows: 5,25
